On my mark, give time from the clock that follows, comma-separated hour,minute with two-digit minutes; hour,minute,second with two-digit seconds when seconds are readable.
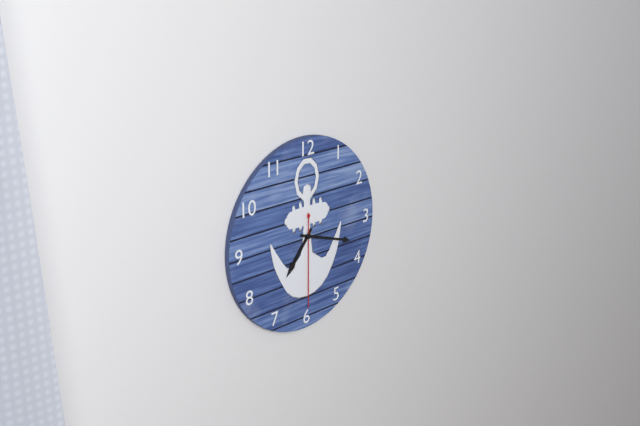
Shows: 7,18,30
